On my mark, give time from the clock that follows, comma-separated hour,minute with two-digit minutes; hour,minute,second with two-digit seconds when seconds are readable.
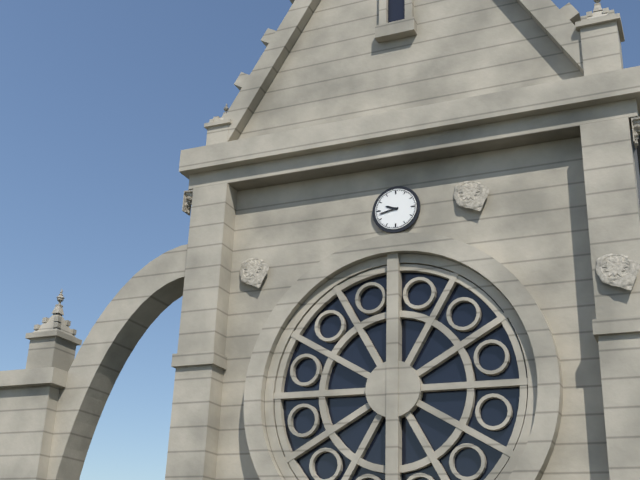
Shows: 9,43
